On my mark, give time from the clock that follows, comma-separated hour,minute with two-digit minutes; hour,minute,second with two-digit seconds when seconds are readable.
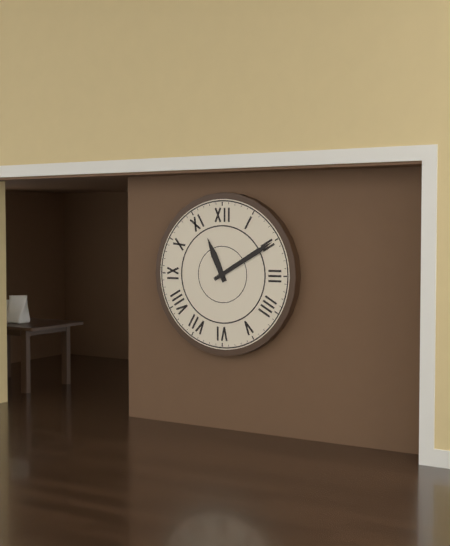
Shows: 11,10
